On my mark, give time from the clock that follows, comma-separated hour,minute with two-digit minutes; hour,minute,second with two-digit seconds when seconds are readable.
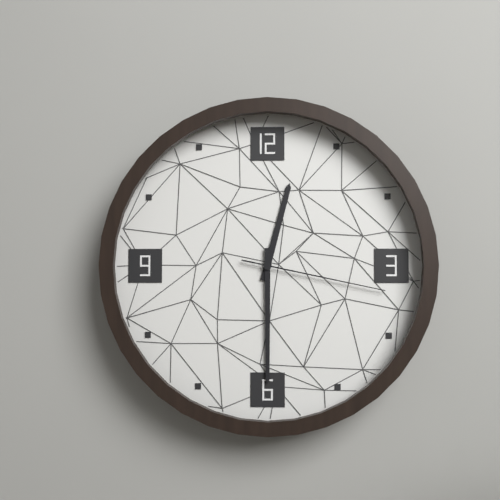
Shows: 12,30,17
